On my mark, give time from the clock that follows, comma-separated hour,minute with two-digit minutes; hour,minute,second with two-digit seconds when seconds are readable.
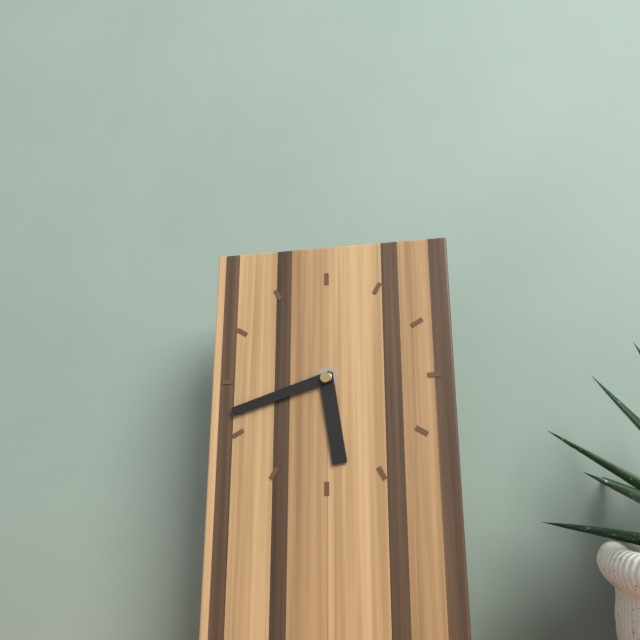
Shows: 5,42
